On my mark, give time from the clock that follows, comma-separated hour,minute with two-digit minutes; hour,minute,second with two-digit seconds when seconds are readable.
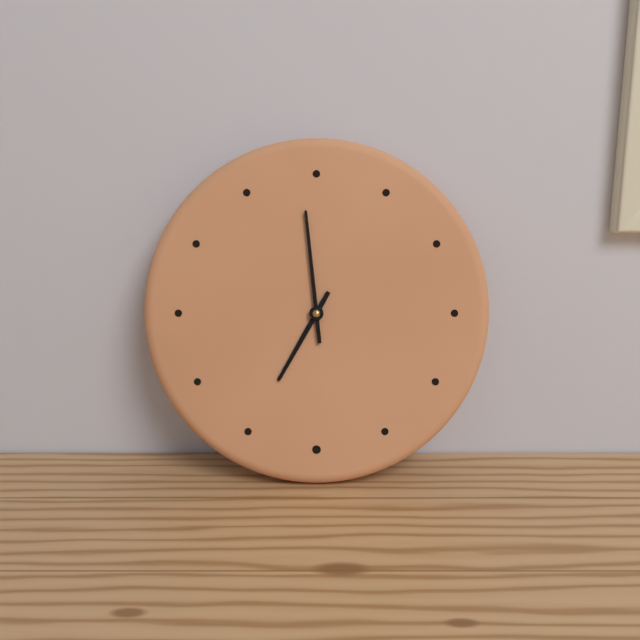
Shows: 6,59
